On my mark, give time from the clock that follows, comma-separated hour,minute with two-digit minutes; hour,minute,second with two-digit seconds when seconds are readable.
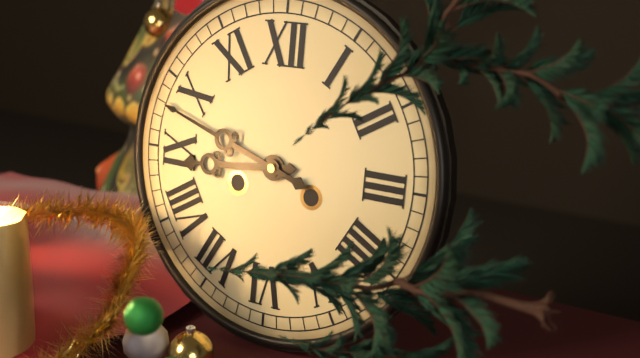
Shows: 8,48
